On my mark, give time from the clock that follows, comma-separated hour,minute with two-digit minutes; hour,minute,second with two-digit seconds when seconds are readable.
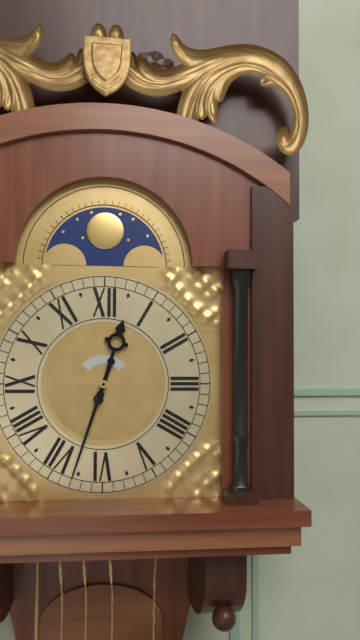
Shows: 12,33
